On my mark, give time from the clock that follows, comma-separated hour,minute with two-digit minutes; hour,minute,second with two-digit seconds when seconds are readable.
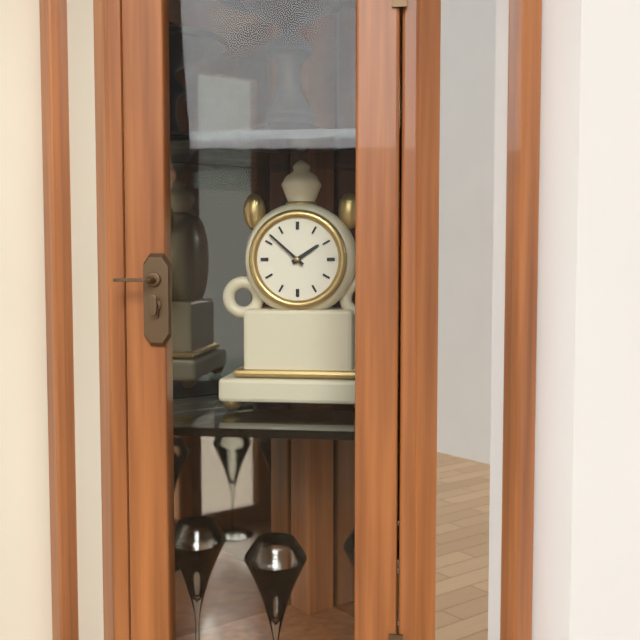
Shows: 1,52
